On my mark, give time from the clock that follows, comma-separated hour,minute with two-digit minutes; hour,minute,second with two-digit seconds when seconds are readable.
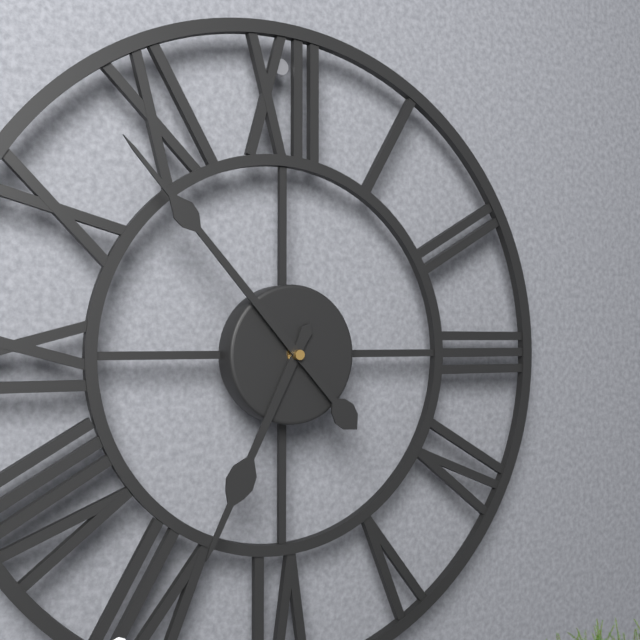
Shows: 6,53
